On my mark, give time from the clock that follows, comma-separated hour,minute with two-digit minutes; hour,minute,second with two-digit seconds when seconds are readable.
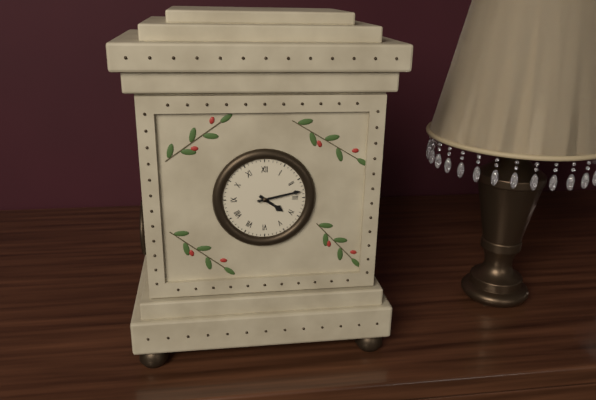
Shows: 4,13
